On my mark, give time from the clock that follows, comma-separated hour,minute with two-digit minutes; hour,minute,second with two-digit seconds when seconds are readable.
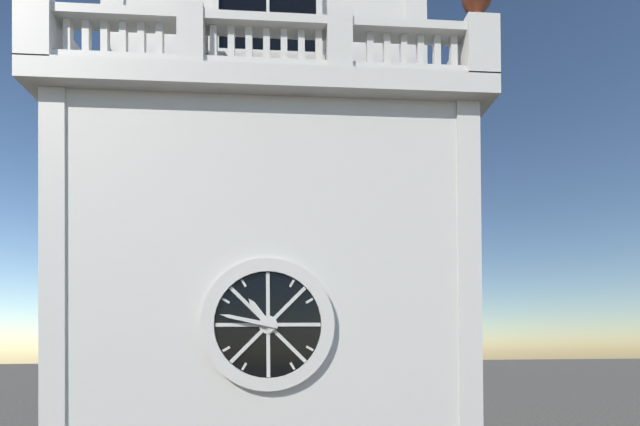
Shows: 10,47
